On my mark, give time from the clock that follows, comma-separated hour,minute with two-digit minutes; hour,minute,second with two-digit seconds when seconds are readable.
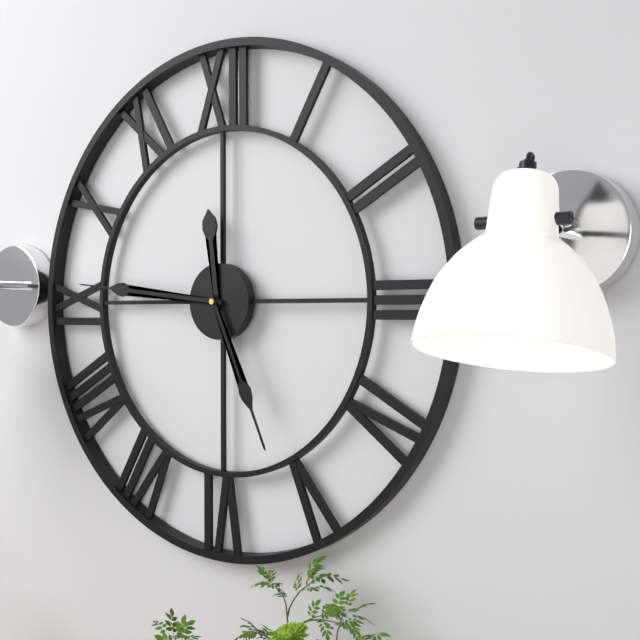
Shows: 11,46,26
